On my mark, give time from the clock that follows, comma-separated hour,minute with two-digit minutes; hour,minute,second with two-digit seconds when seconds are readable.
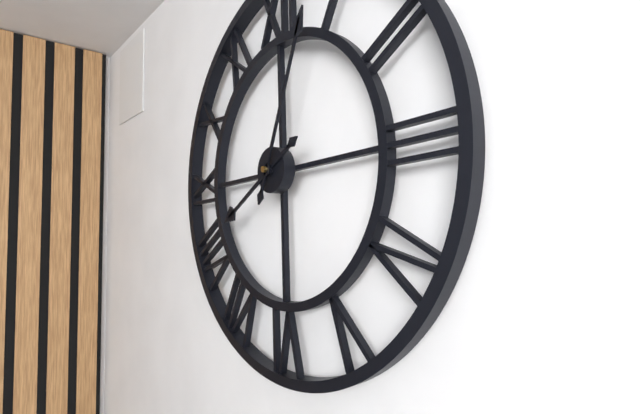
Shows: 8,04
